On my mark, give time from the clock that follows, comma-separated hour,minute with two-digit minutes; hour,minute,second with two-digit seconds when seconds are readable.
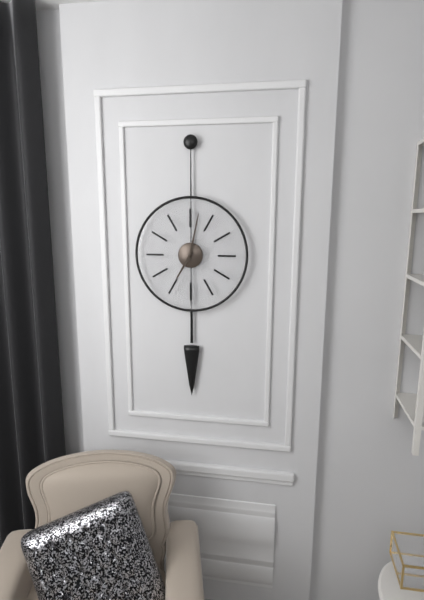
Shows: 7,02
